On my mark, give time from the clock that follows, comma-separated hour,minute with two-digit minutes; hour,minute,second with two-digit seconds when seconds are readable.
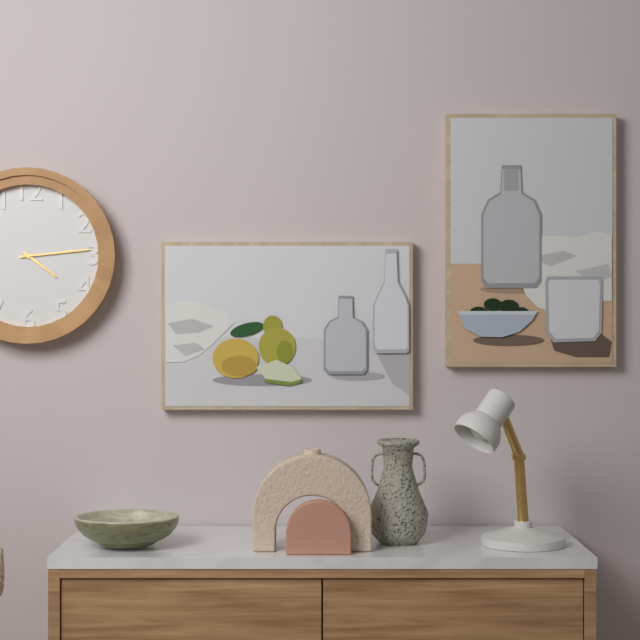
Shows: 4,14
